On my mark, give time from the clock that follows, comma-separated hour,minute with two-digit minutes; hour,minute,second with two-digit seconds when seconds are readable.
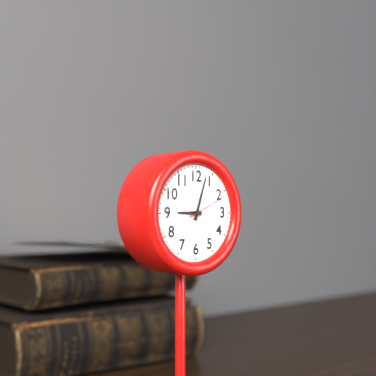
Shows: 9,03,11
